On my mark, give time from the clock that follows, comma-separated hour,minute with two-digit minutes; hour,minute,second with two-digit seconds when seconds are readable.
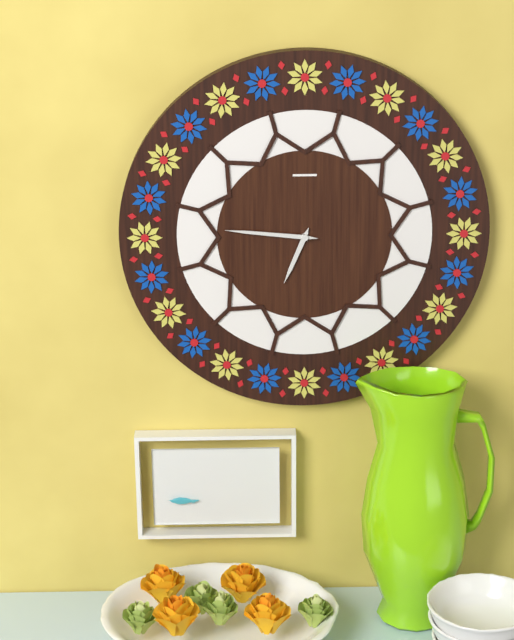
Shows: 6,46
